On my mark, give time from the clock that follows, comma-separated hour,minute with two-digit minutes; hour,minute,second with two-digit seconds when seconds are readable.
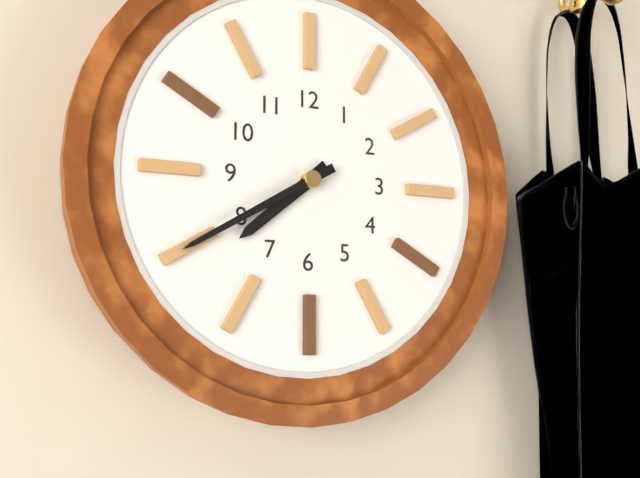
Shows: 7,40
